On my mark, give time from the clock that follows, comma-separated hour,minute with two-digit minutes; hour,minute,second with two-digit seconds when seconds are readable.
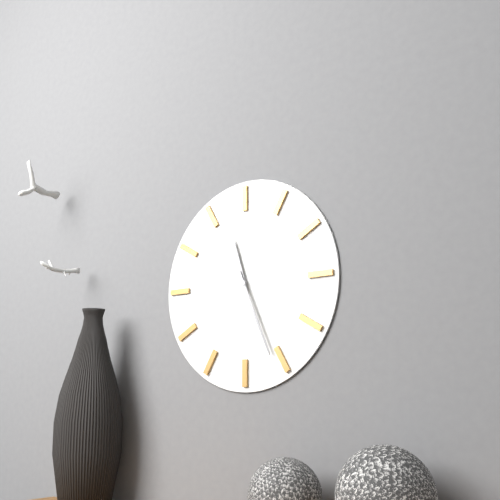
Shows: 11,26
